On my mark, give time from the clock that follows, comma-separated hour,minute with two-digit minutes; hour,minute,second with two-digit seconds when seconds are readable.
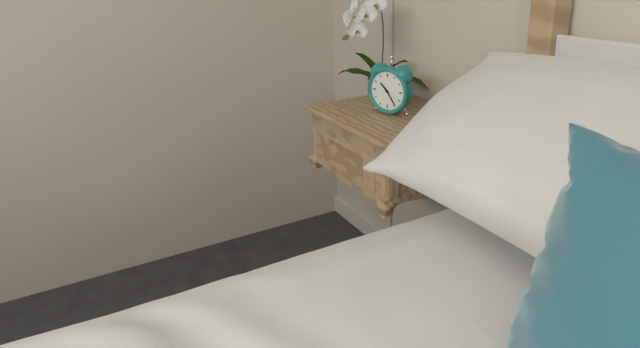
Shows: 10,24
